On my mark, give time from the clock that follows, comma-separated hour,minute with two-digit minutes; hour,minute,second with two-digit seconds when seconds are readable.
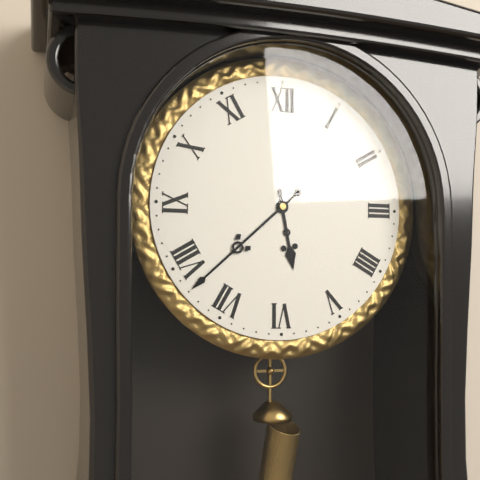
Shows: 5,38
